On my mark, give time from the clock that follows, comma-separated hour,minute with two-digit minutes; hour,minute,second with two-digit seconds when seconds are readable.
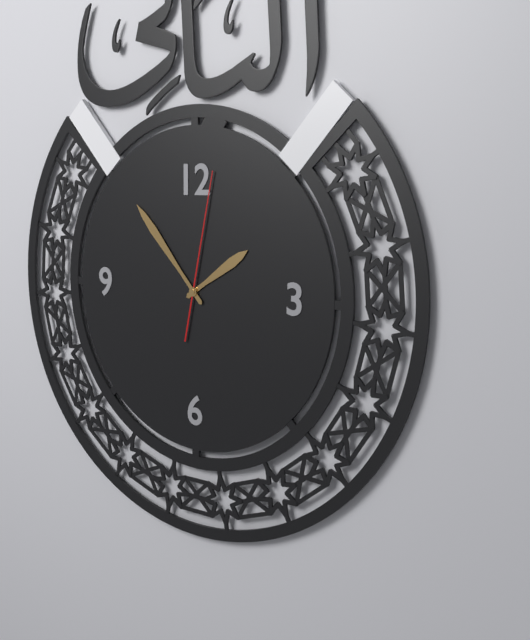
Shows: 1,53,02
